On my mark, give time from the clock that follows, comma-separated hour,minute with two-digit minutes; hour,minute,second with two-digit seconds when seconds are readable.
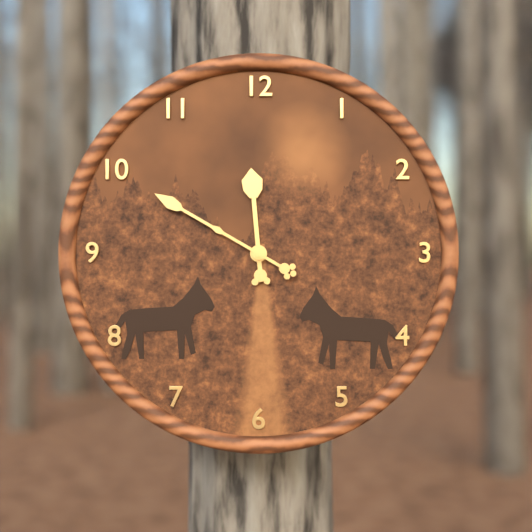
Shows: 11,50
